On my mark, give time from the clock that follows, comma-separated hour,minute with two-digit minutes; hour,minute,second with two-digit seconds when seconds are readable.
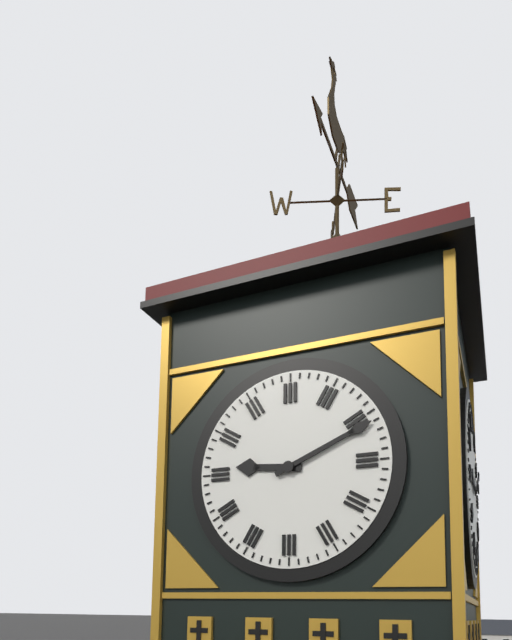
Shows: 9,11
